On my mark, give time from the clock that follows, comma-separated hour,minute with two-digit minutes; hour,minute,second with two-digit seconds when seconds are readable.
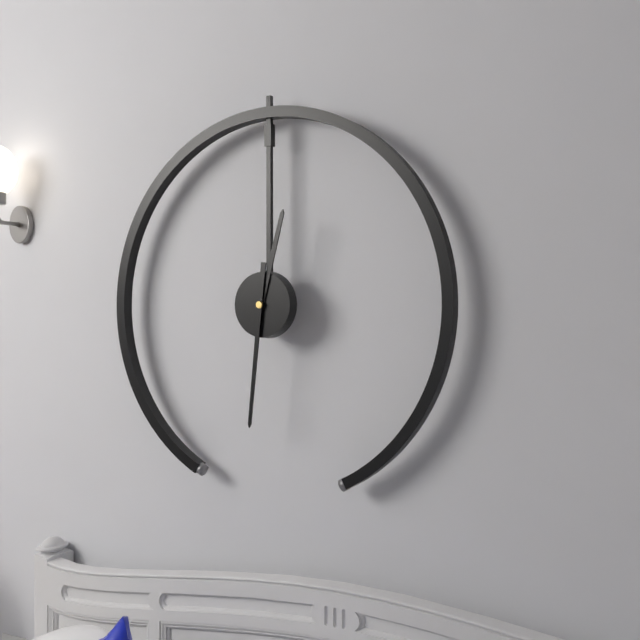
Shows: 12,31
